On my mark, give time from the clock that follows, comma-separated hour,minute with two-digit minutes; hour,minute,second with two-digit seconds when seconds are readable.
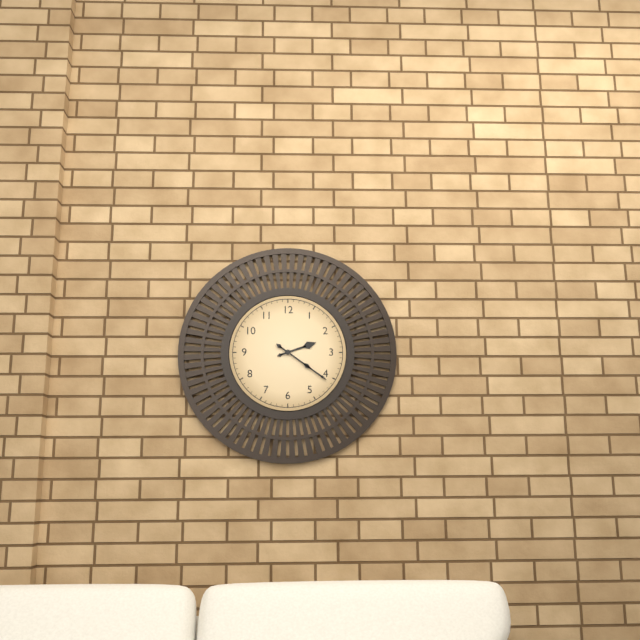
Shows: 2,21
